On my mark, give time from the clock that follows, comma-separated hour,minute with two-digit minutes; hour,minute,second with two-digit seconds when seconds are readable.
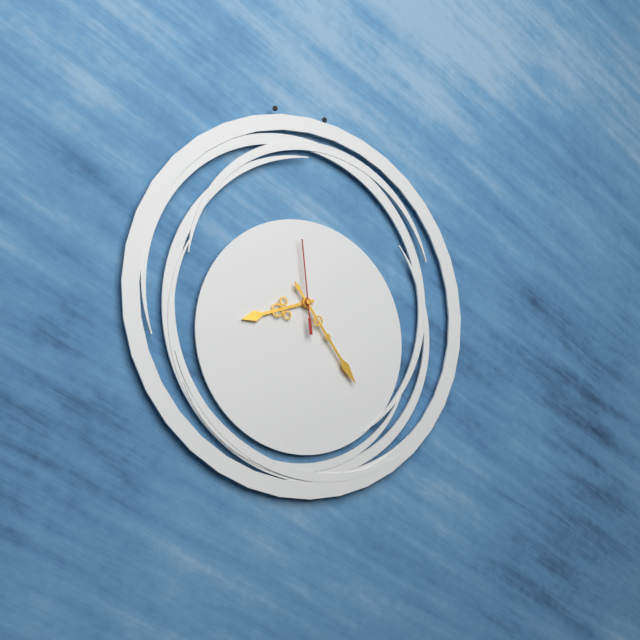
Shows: 8,24,59
